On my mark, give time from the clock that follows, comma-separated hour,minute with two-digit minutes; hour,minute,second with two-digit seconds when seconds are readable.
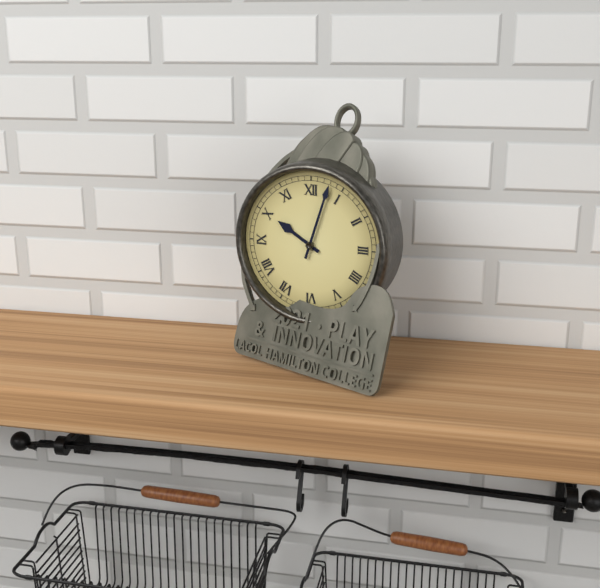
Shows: 10,03
